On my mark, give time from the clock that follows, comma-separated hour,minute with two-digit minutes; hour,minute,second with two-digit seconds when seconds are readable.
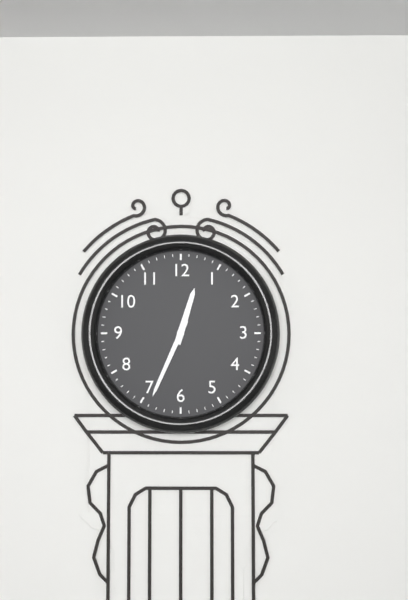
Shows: 12,34
